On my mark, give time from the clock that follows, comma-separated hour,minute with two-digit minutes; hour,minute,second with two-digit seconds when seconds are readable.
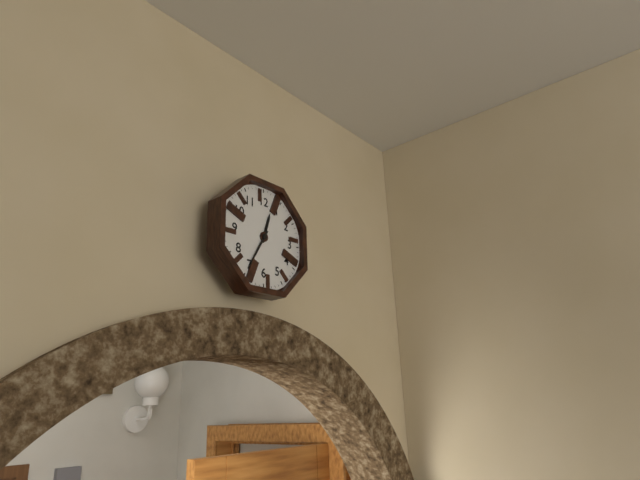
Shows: 12,35
